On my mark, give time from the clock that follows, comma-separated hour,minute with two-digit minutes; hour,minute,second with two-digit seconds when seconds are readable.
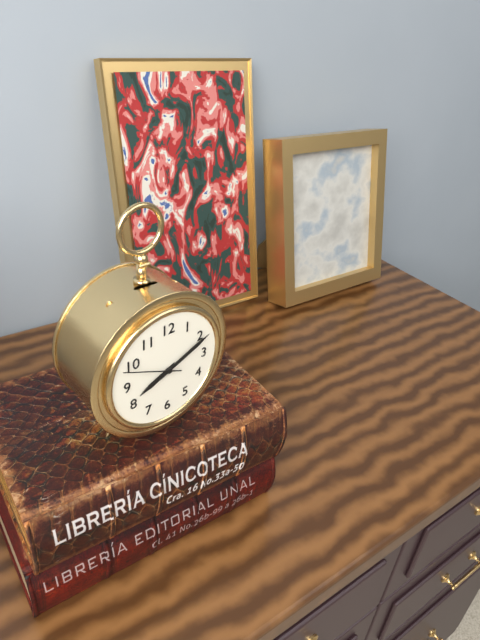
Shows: 8,11,49
